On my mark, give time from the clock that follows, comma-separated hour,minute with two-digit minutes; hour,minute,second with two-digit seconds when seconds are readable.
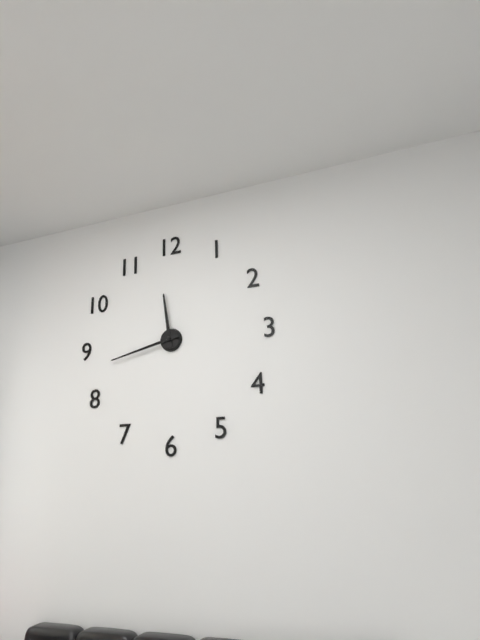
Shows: 11,43
